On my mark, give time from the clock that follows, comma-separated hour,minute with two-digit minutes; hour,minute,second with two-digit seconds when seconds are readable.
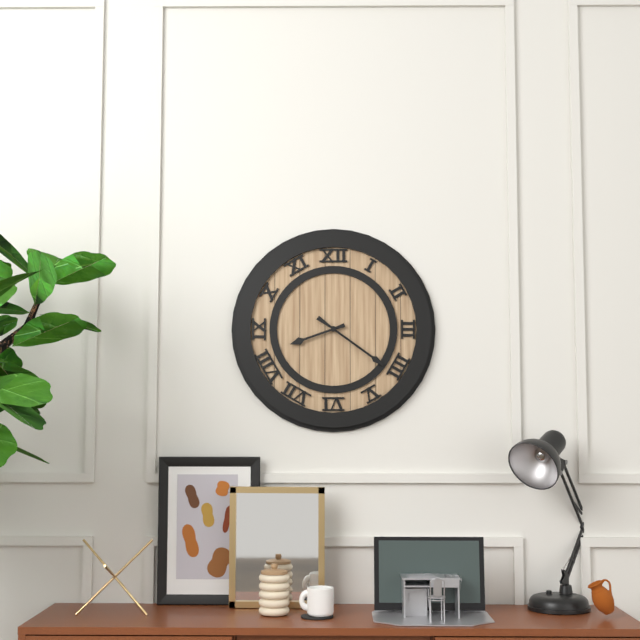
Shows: 8,21
